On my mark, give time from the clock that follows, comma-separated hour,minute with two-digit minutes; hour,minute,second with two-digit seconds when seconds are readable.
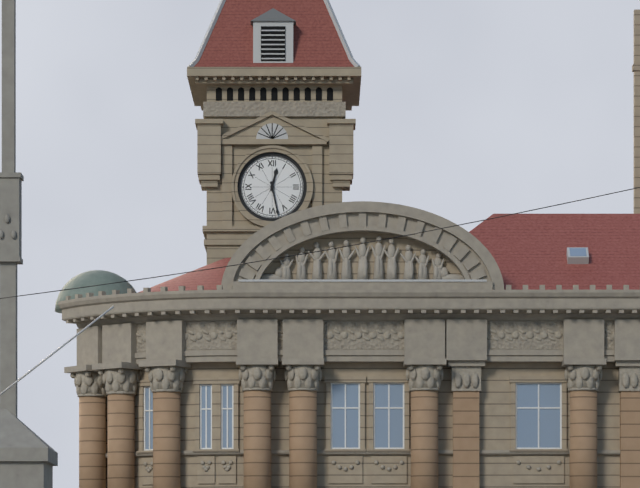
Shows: 12,28
